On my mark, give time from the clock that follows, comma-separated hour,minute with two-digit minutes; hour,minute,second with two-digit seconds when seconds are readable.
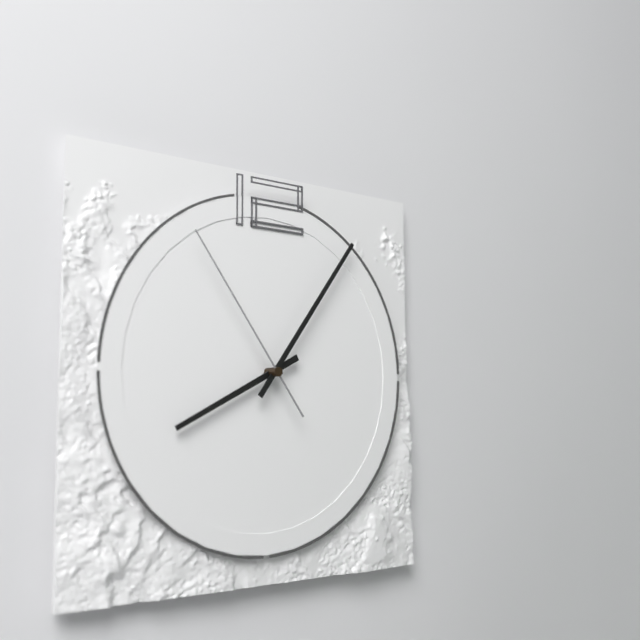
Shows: 8,06,54
